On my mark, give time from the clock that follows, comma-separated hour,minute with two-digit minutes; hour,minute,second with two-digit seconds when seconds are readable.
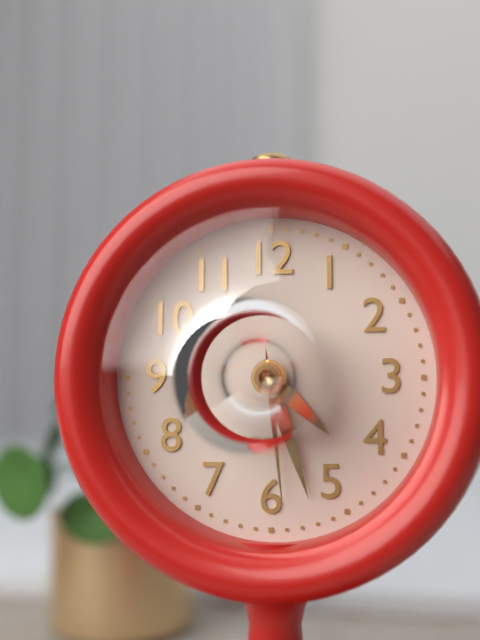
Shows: 4,27,29
